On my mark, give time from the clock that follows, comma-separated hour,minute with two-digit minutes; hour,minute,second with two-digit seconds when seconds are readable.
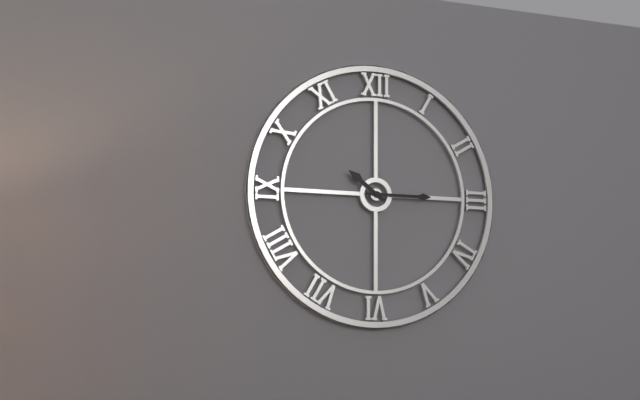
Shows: 10,15
